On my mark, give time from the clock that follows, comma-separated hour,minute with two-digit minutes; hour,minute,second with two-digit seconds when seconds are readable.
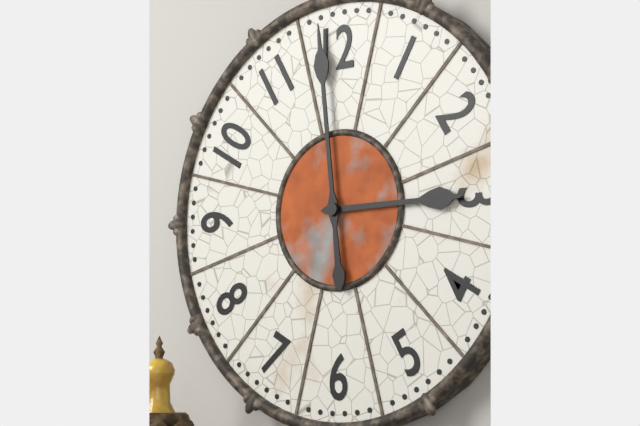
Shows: 2,59
